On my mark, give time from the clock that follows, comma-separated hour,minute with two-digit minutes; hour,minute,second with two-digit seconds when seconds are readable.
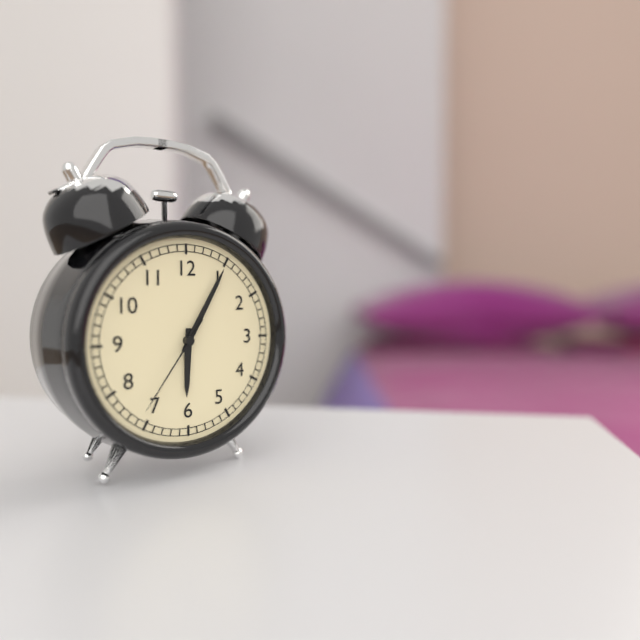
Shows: 6,05,36
